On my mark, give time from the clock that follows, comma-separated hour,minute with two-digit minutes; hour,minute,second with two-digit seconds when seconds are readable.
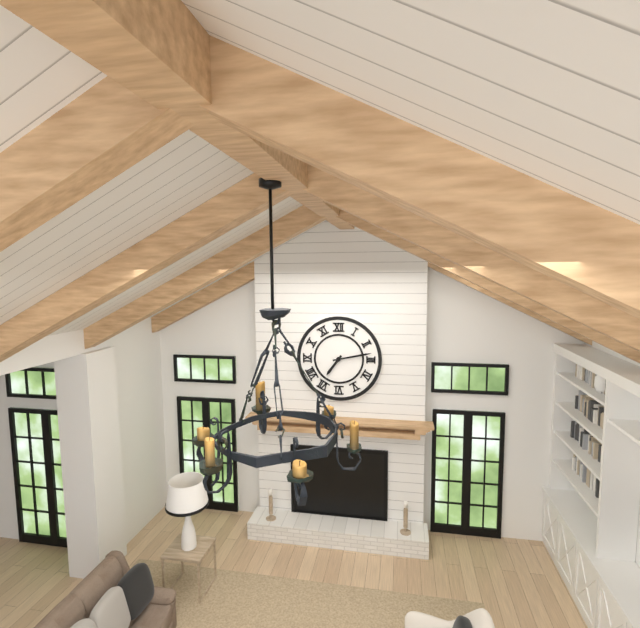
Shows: 7,13
